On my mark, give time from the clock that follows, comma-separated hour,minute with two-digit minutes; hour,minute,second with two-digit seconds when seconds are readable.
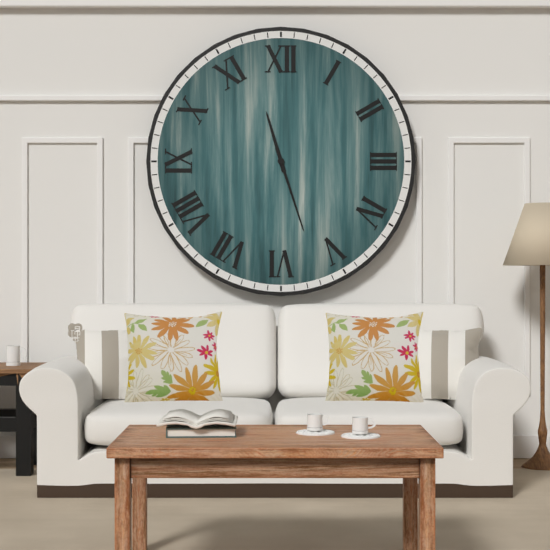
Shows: 11,27
